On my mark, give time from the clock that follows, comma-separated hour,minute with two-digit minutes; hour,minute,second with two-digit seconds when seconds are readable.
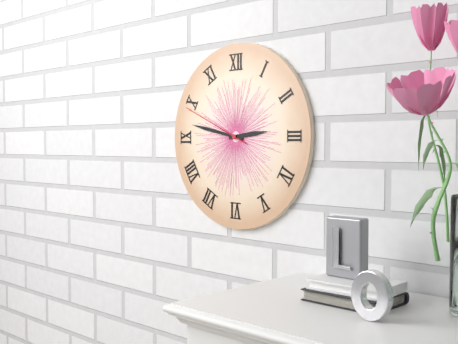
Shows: 2,47,49
